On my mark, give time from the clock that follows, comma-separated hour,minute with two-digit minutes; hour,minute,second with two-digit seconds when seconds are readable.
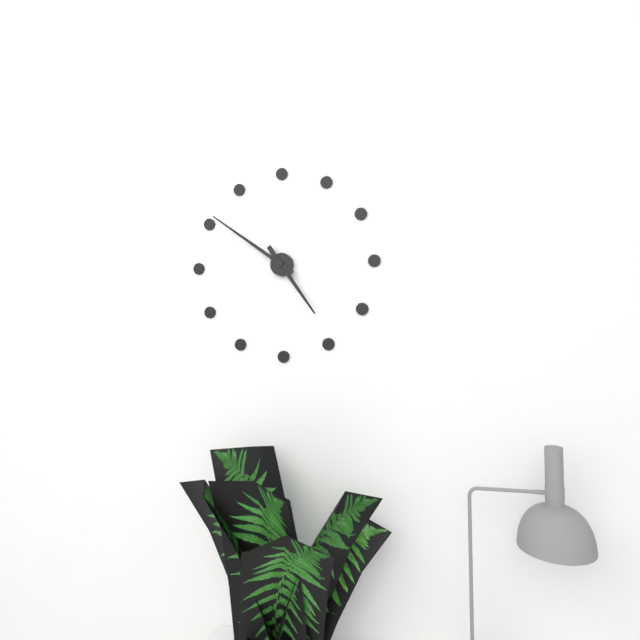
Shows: 4,51
